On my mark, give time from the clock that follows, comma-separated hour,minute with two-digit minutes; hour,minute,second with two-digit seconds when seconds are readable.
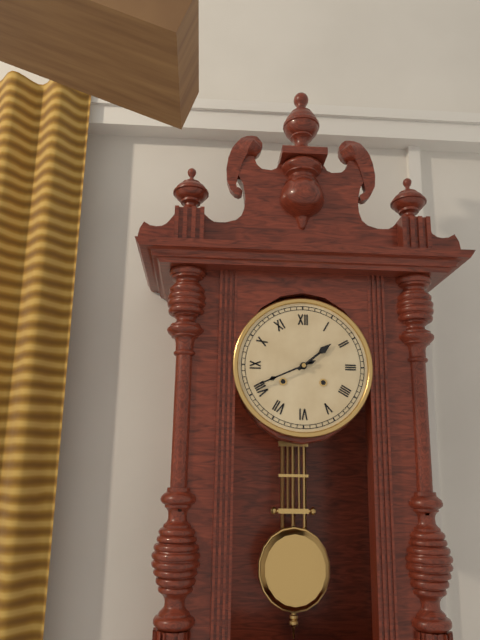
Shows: 1,41
